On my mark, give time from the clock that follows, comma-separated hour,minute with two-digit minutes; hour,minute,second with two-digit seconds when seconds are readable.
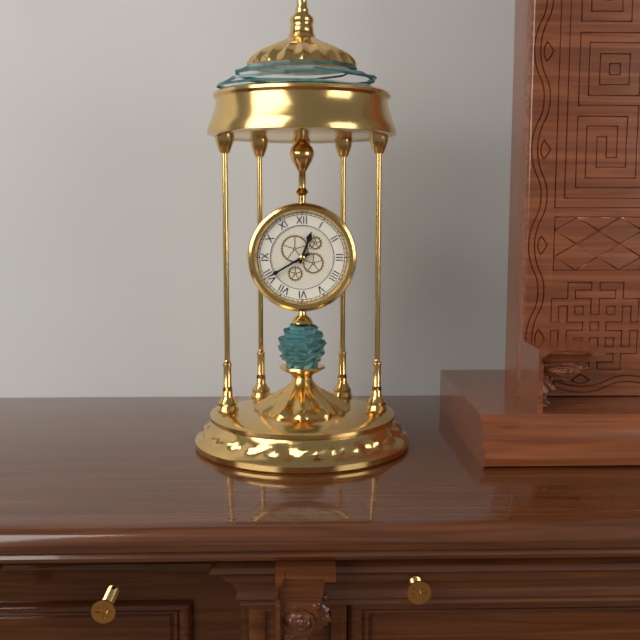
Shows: 12,40
